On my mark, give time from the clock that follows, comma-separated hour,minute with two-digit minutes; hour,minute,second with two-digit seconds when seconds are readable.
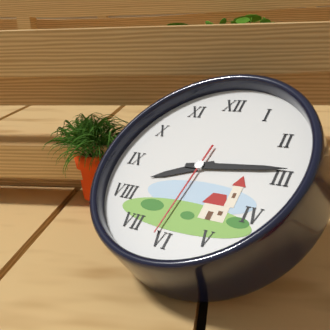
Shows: 8,14,31
